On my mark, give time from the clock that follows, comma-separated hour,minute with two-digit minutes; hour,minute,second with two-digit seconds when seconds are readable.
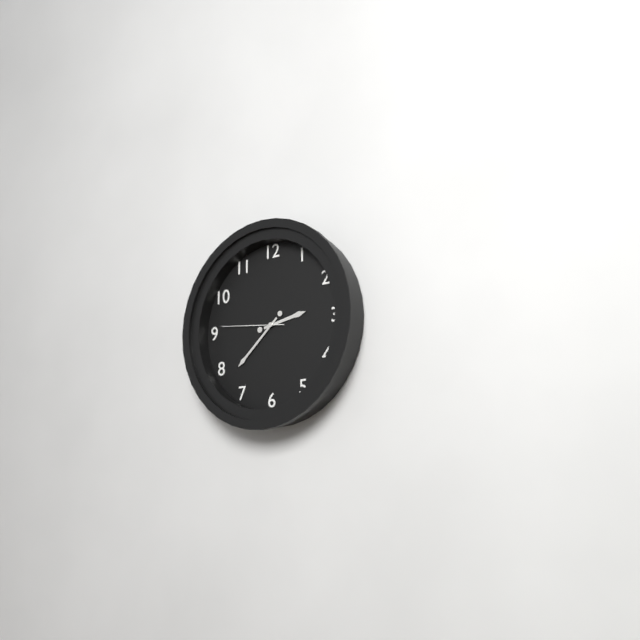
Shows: 2,38,46
